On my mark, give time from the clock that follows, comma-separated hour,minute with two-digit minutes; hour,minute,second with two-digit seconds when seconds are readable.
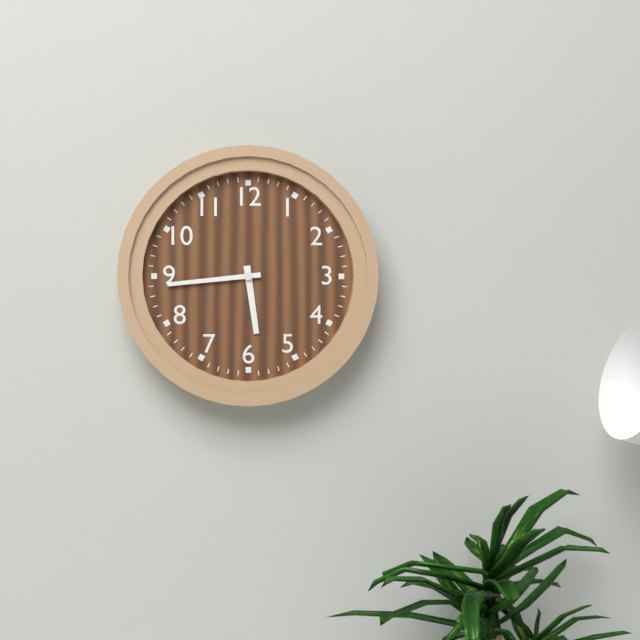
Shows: 5,44
